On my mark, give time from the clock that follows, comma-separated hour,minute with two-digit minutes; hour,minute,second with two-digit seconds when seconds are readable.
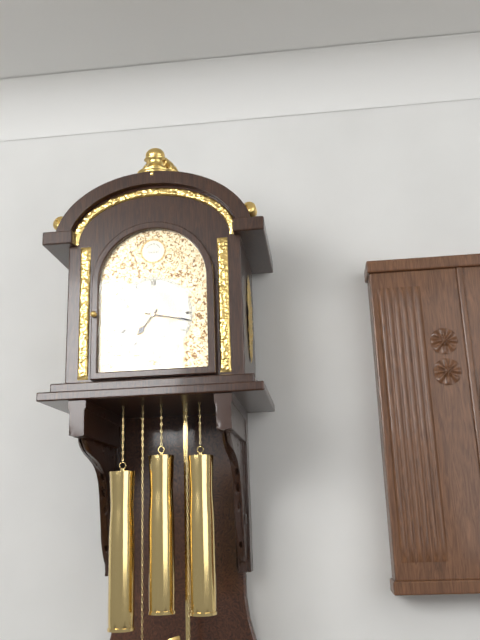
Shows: 7,17
